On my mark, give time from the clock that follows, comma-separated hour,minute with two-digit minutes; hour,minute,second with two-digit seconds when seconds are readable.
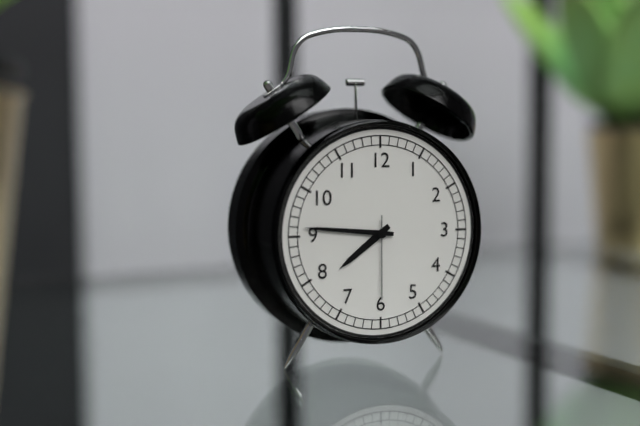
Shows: 7,46,30
